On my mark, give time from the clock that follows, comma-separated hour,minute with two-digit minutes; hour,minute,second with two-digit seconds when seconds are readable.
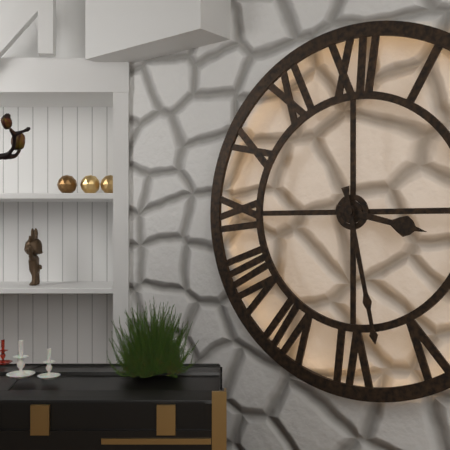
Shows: 3,28
